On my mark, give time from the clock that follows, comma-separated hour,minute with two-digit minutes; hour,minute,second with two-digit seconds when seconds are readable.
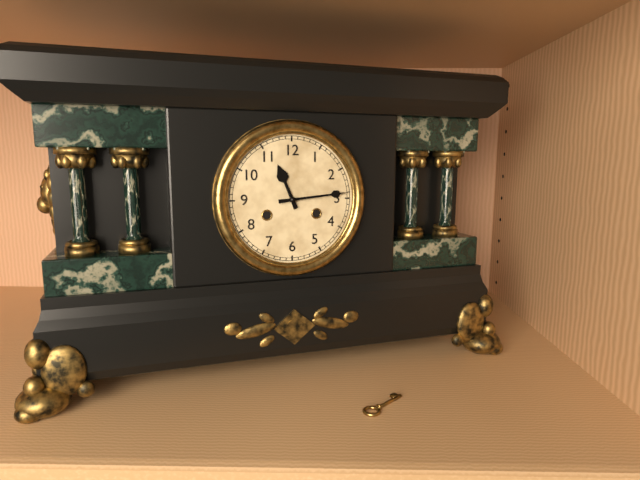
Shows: 11,14
